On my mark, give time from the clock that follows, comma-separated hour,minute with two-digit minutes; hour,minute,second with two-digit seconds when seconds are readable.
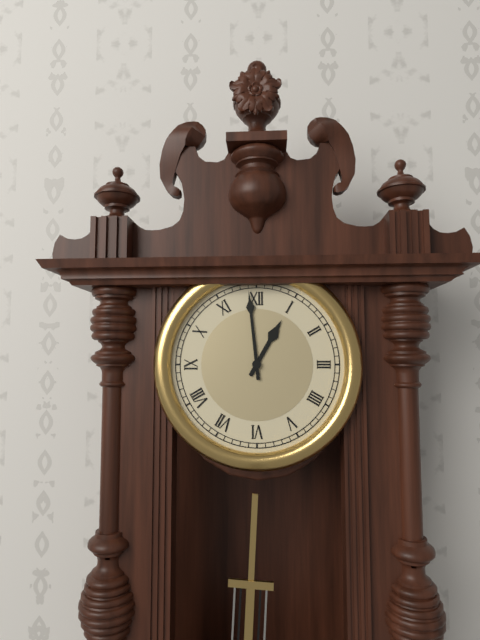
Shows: 12,59
